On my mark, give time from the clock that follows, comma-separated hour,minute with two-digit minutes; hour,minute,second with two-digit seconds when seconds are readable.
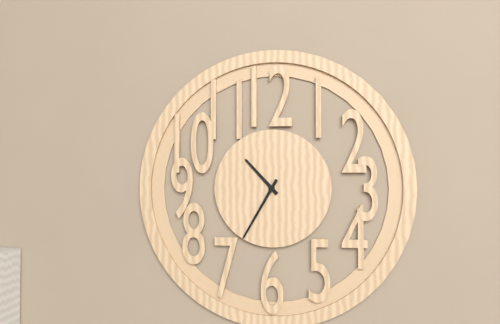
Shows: 10,35
